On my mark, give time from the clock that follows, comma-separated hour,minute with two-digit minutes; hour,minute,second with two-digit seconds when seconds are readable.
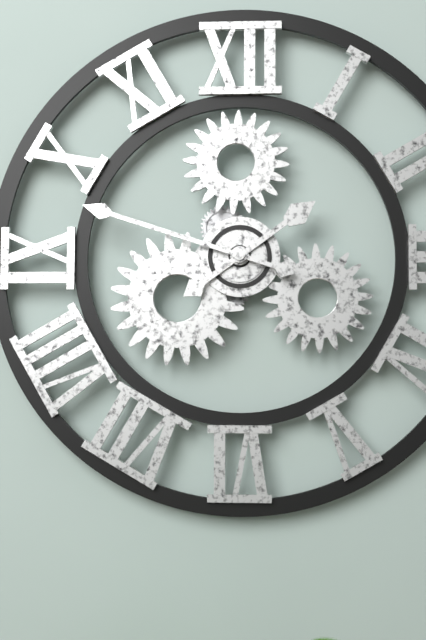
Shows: 1,48
